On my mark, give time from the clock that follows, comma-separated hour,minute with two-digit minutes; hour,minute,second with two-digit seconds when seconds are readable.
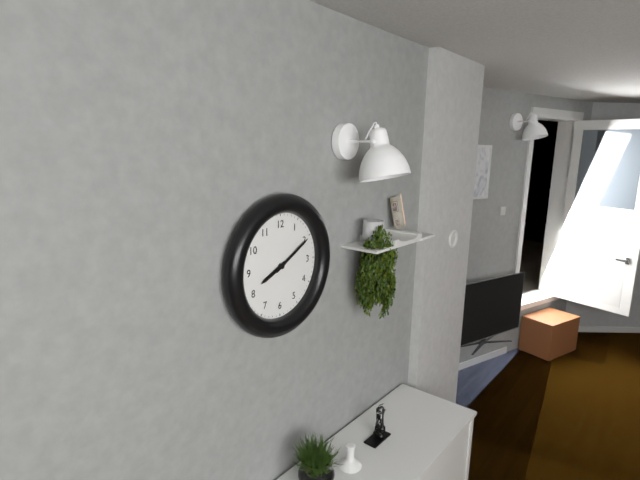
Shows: 8,10
